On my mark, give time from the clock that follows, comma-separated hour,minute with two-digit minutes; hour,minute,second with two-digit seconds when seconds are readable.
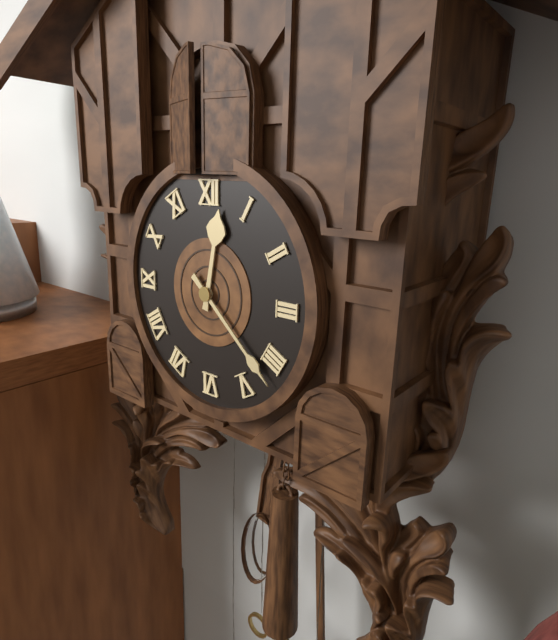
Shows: 12,22
